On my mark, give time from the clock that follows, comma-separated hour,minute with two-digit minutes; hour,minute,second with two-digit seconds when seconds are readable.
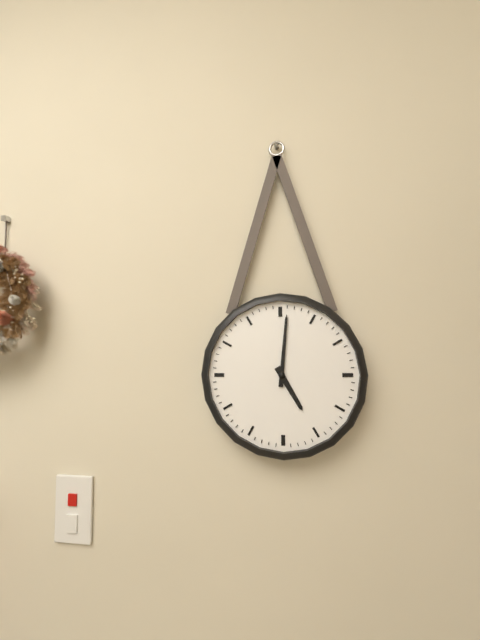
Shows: 5,01
